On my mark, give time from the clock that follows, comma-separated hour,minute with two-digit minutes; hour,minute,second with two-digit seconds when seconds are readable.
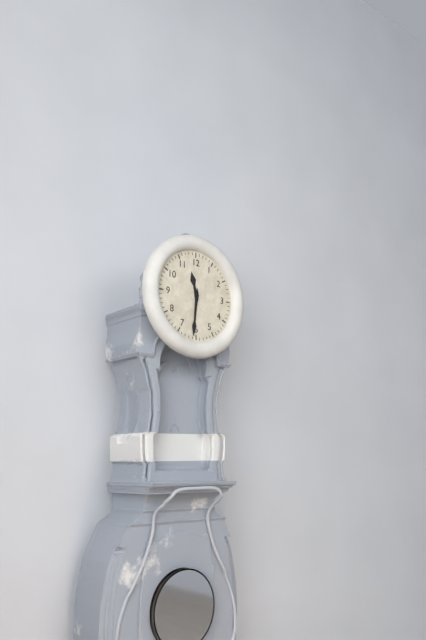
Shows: 11,31
